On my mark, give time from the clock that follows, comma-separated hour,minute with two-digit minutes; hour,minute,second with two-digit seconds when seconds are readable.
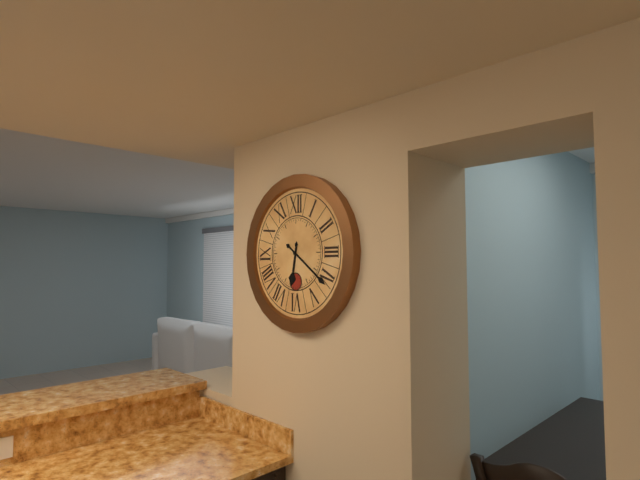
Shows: 6,21
